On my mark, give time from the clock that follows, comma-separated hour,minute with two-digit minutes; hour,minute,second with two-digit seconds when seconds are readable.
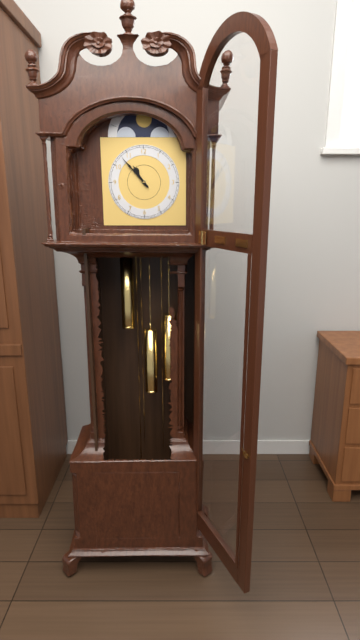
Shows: 10,53
